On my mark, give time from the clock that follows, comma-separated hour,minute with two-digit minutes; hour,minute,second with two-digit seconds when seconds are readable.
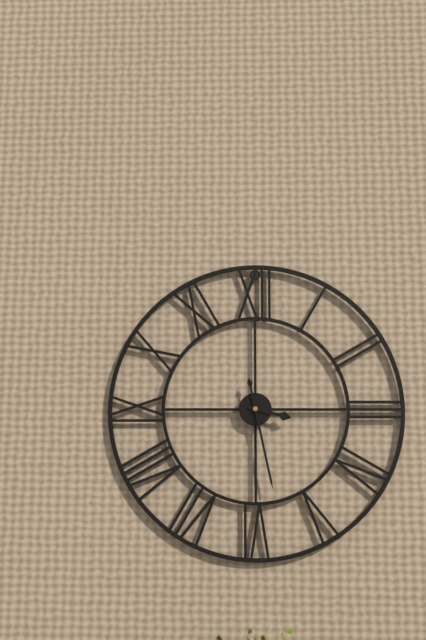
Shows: 3,28
